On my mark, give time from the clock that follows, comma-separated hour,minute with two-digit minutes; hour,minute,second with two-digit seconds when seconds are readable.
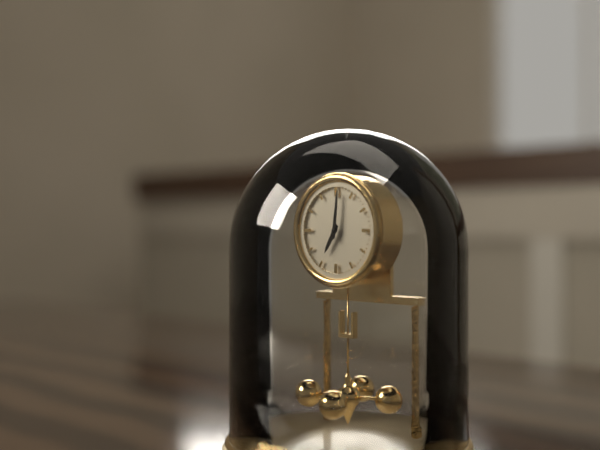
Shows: 7,01
